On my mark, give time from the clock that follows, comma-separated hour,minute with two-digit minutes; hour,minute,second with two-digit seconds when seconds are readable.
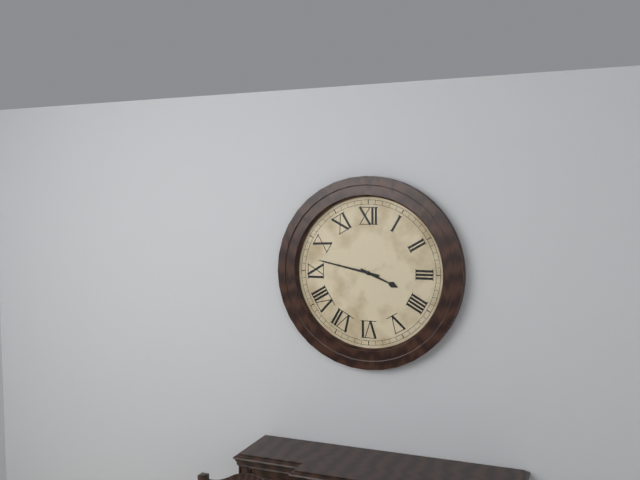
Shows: 3,47
